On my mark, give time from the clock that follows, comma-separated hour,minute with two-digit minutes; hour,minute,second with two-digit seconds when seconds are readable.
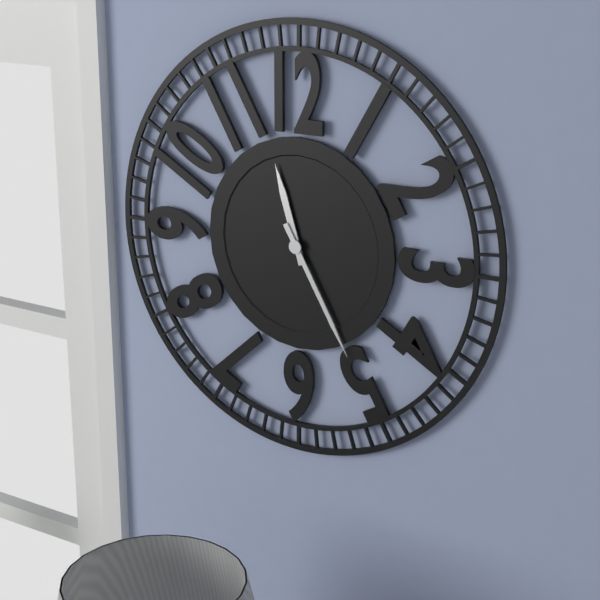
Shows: 11,25
